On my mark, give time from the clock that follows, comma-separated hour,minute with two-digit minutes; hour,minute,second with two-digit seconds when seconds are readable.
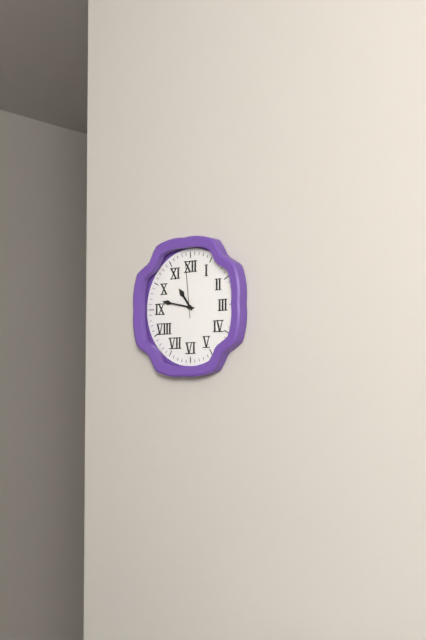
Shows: 10,47,59
